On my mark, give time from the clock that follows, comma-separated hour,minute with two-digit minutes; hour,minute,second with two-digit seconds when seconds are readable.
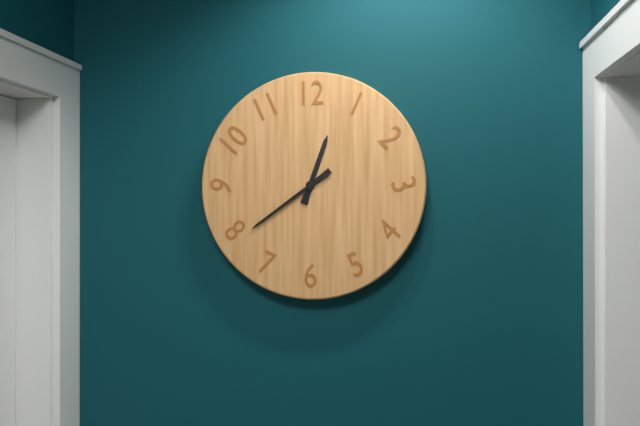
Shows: 12,39
